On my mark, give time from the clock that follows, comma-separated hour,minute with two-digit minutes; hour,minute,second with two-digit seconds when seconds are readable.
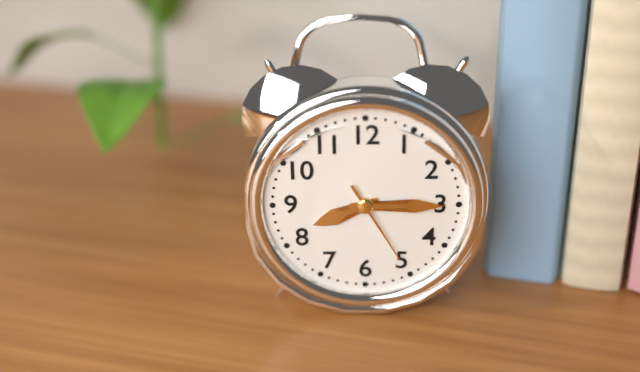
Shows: 8,15,25
